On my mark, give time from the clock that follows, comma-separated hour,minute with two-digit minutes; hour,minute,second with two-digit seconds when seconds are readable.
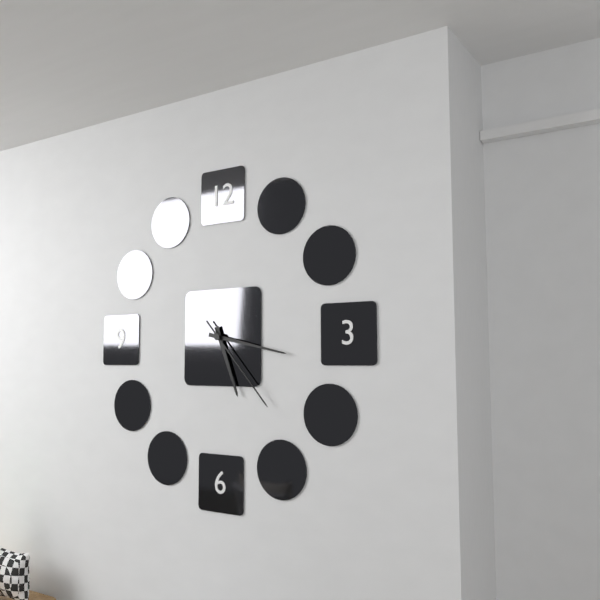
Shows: 5,17,23
